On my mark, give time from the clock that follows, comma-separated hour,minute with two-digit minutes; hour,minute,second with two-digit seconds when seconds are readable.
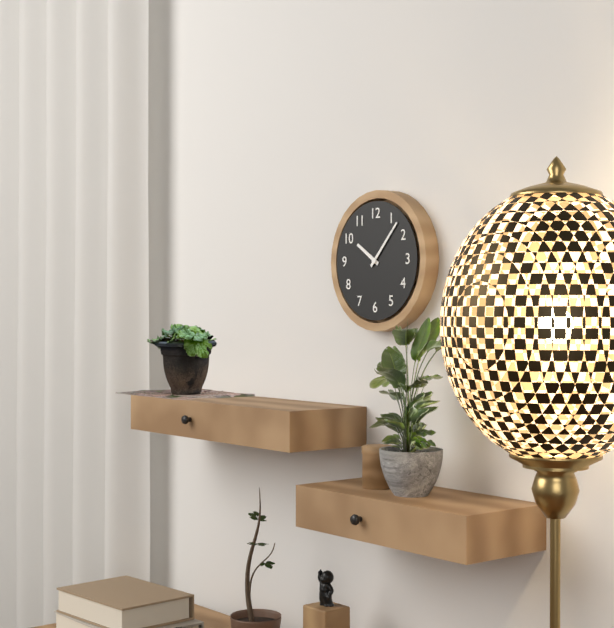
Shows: 10,07
